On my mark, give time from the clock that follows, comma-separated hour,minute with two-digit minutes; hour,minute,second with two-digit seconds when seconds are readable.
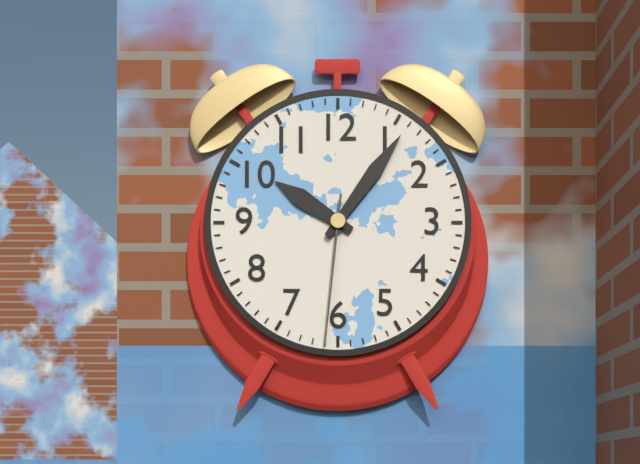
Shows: 10,06,31
